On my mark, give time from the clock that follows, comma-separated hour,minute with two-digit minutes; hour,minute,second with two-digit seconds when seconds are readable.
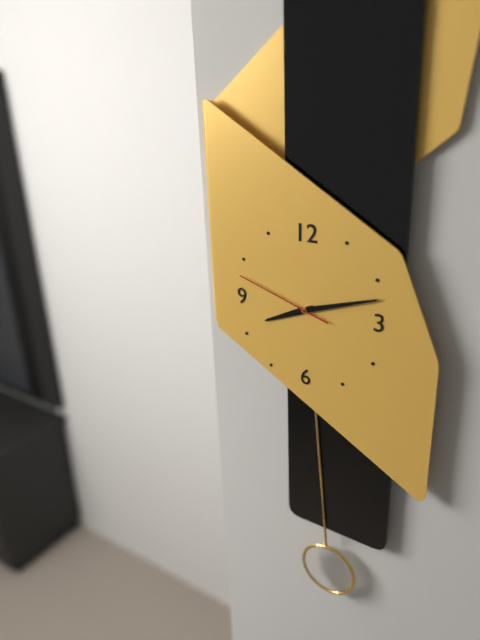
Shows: 8,12,48
